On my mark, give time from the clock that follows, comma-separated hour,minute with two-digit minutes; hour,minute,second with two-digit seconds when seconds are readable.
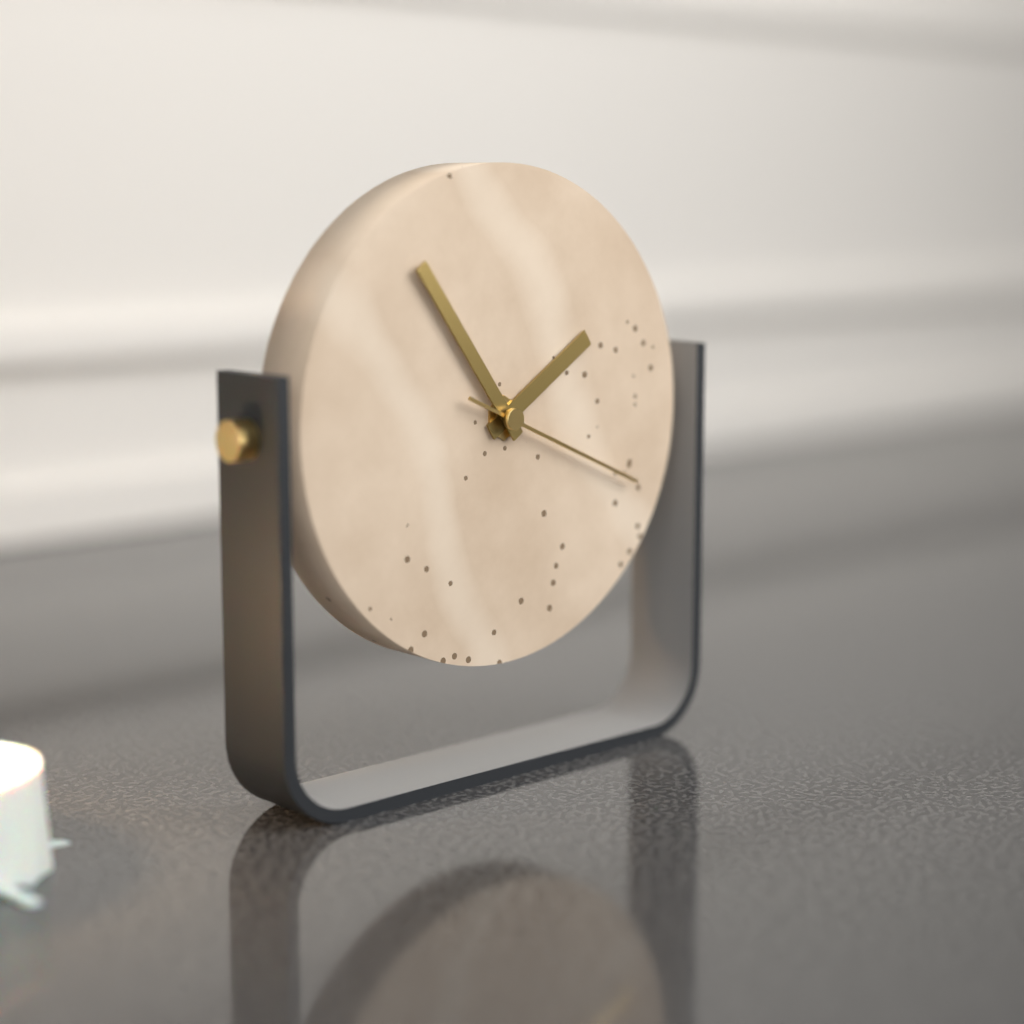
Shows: 1,54,19
